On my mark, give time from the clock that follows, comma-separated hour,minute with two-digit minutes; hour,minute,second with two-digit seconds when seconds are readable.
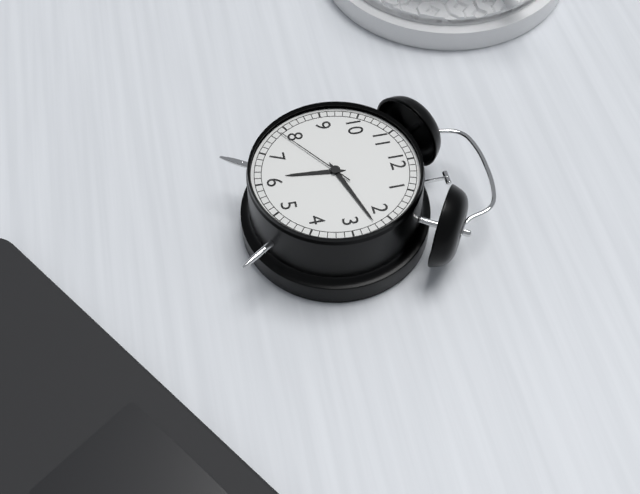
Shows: 6,12,39
